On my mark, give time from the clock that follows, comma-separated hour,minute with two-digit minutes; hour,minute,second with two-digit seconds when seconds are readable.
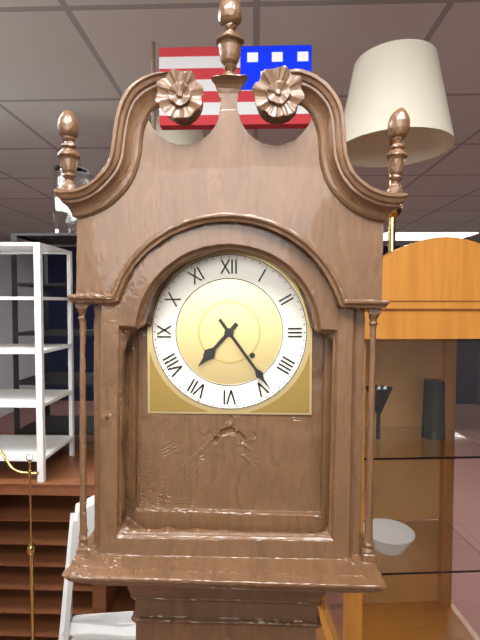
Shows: 7,24
